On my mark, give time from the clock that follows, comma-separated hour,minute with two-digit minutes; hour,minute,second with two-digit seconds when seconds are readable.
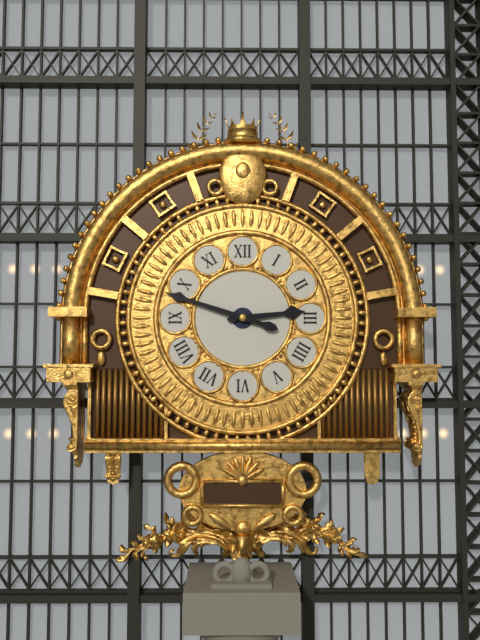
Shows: 2,48
